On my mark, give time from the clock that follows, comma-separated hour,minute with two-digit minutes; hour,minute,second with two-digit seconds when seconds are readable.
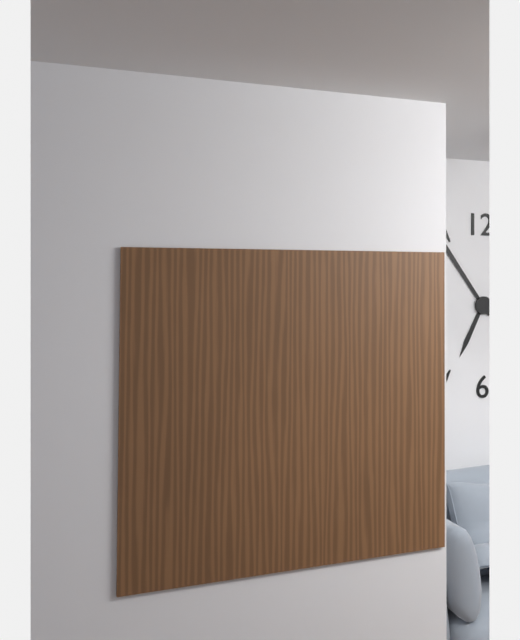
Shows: 6,54
